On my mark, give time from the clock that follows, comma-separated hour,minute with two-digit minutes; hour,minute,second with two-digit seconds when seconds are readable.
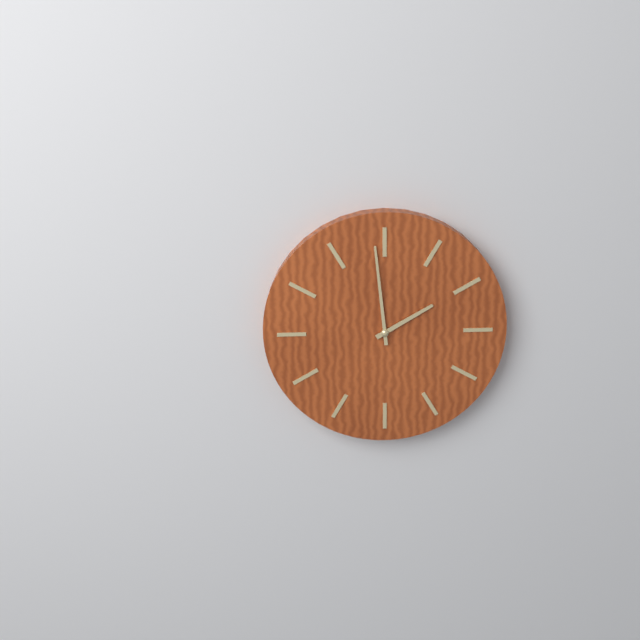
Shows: 1,59
